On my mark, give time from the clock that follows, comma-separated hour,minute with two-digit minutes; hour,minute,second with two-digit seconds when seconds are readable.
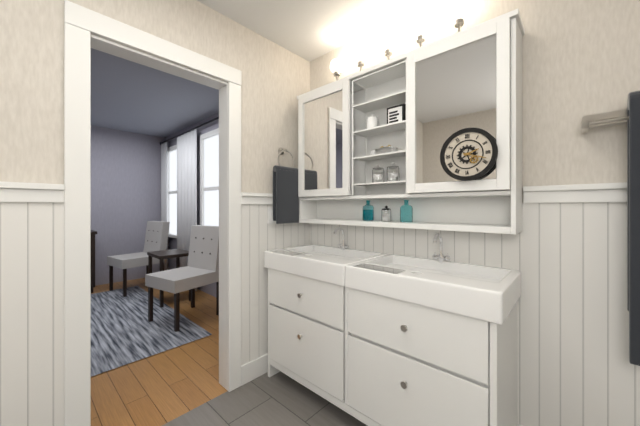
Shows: 2,18
